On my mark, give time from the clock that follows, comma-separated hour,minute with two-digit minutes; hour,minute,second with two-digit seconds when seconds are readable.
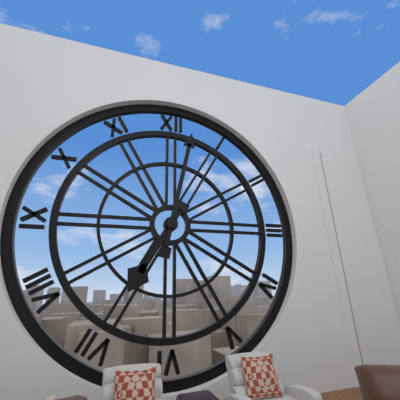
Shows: 7,02
